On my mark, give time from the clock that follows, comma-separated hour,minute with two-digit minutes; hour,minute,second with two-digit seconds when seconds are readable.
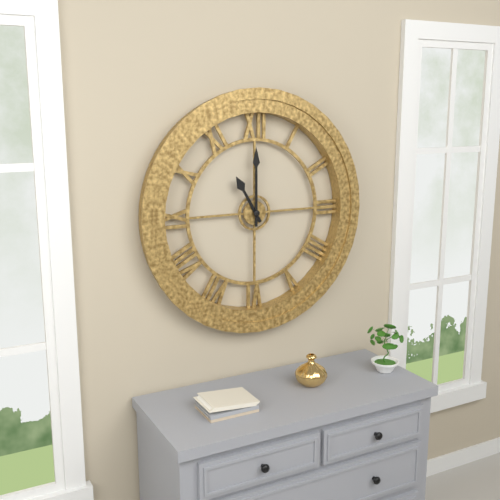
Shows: 11,00
